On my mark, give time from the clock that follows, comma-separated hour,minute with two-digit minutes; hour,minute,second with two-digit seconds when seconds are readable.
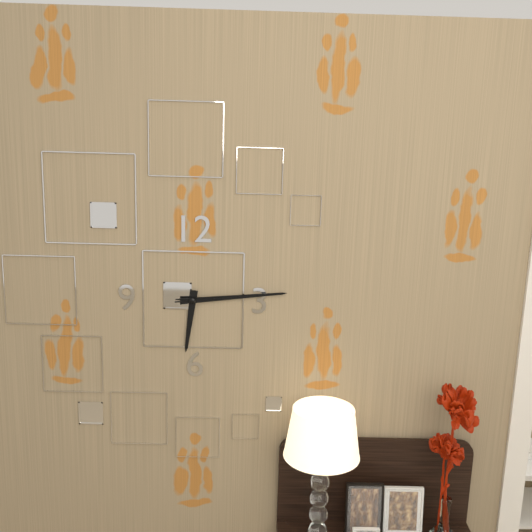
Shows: 6,14,14
